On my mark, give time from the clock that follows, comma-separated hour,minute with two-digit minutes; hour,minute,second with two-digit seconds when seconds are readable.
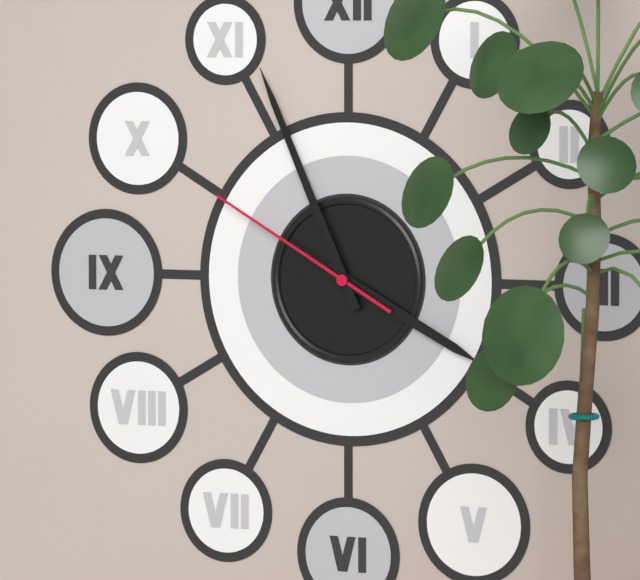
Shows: 3,56,50
